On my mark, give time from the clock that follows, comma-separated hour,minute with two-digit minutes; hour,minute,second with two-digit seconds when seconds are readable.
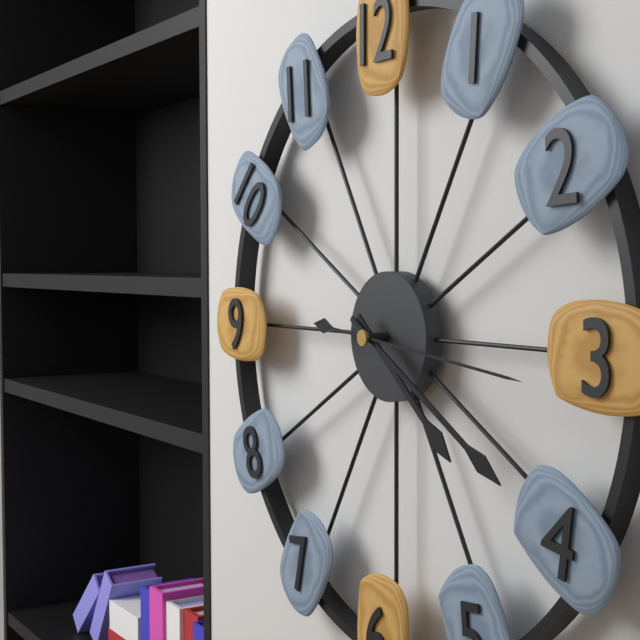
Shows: 4,20,16
